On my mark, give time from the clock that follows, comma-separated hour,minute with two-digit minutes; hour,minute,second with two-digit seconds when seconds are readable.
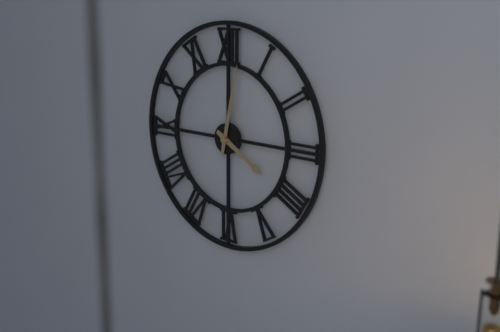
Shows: 4,02
